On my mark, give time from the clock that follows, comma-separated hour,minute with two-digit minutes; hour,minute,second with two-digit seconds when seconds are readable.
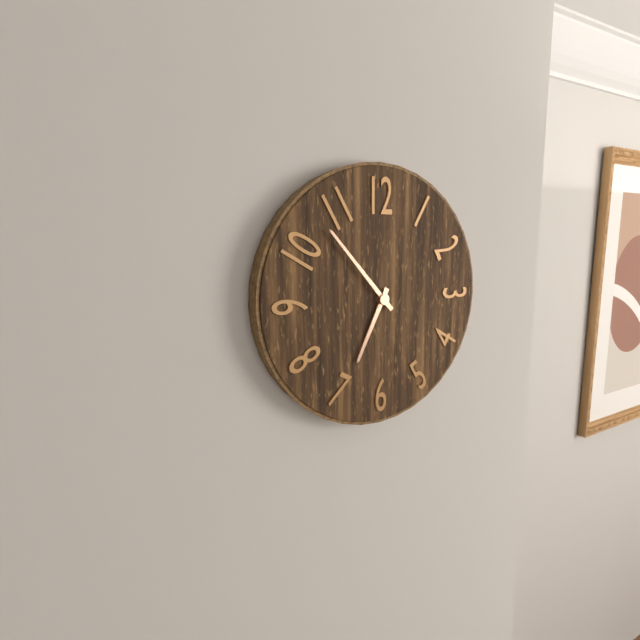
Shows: 6,53
